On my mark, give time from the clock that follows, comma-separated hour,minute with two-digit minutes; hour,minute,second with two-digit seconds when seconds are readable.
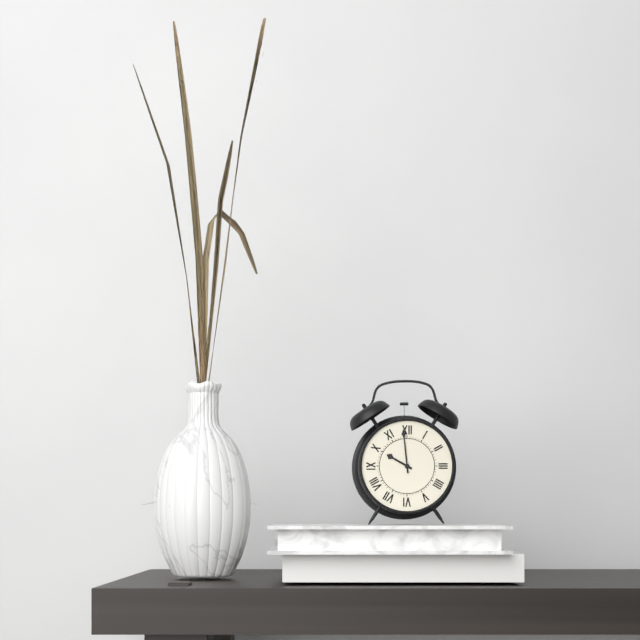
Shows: 9,59
